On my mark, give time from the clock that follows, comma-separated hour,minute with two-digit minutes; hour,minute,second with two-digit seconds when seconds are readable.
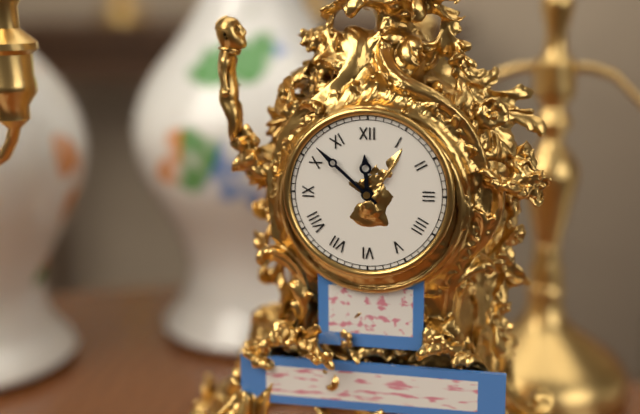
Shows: 11,52
